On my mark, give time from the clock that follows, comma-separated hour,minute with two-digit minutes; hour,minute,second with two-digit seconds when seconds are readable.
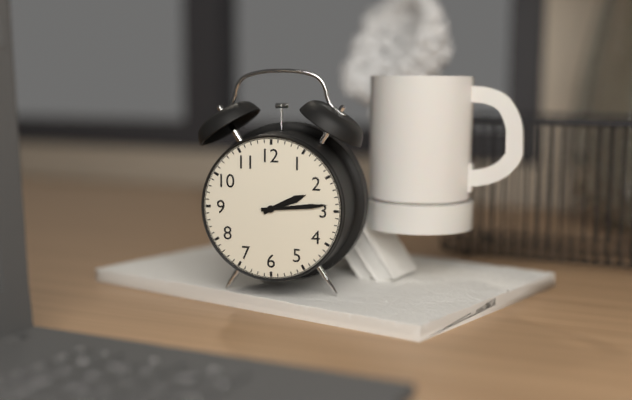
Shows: 2,14
